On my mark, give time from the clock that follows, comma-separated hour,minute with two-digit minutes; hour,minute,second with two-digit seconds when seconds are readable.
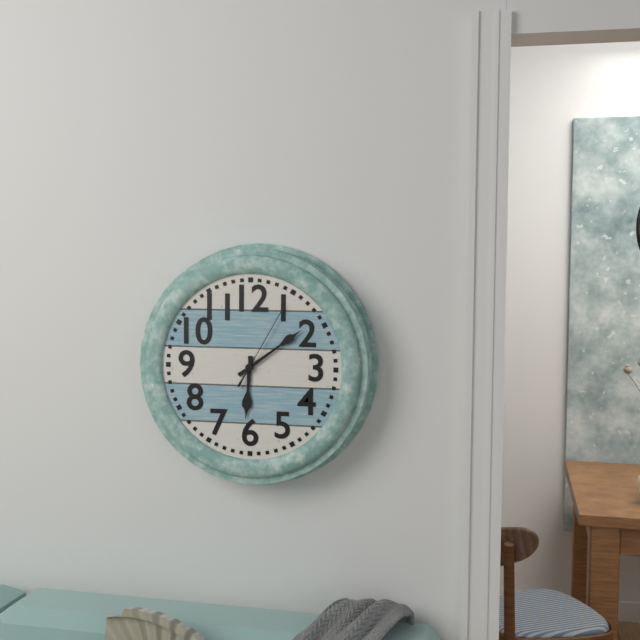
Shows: 6,09,05
